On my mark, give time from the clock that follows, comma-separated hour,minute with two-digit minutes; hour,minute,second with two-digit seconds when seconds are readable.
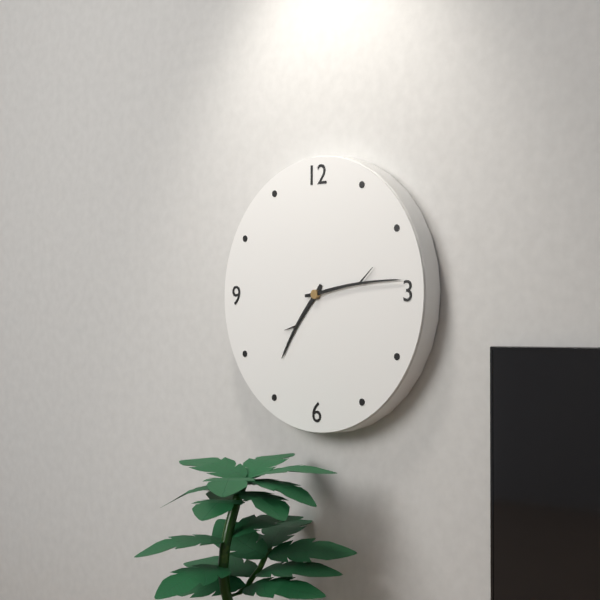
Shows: 7,14
